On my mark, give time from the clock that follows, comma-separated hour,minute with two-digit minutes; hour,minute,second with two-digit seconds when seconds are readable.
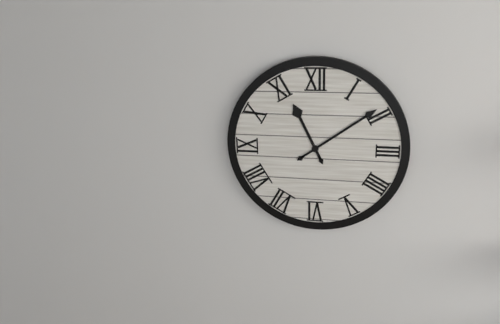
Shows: 11,09
